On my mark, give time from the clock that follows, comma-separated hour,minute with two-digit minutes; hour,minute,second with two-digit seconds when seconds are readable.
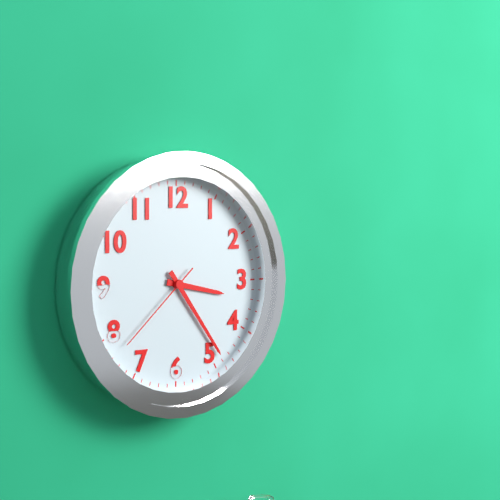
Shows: 3,24,38
